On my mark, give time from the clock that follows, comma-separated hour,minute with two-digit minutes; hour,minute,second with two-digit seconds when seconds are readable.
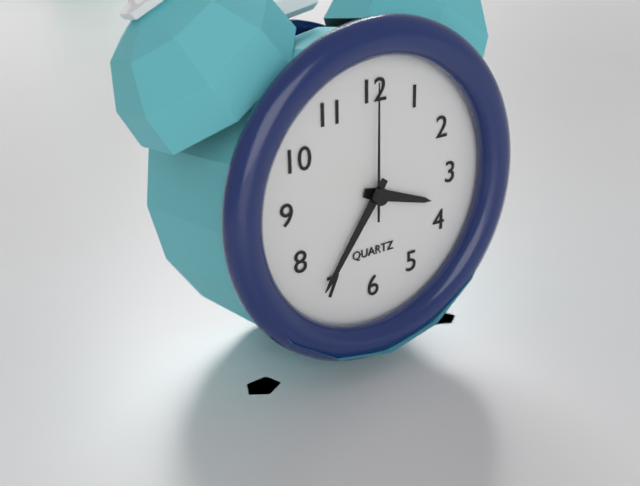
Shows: 3,36,00
